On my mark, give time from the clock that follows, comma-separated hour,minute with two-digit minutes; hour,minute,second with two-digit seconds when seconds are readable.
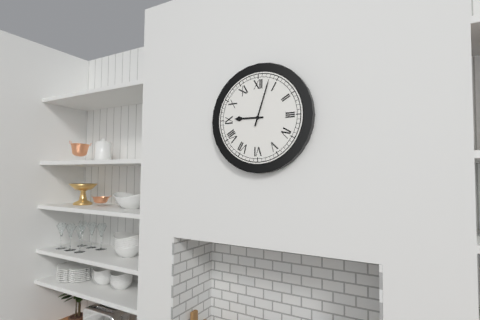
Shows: 9,03
